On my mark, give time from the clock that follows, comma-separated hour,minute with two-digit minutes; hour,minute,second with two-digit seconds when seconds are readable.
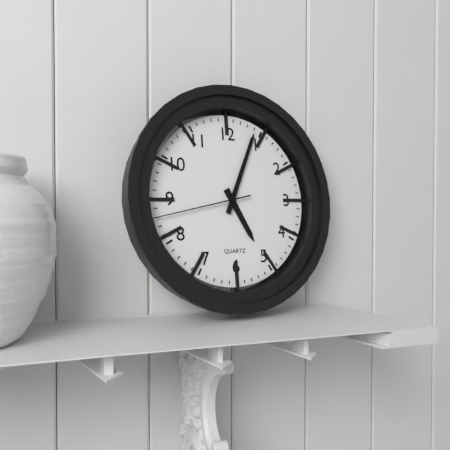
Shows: 5,04,43
